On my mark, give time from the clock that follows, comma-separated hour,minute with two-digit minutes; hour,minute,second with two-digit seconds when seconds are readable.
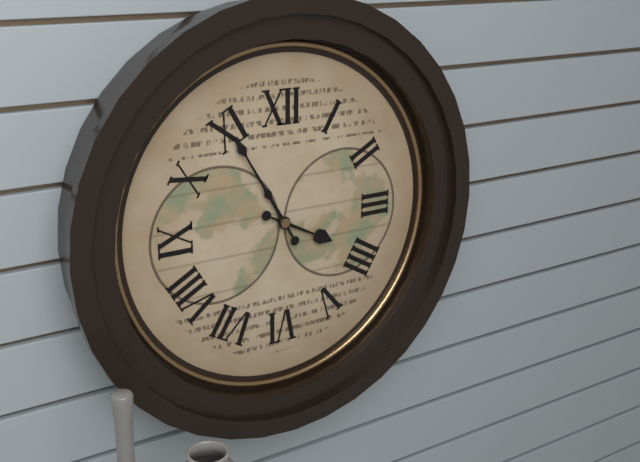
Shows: 3,55
